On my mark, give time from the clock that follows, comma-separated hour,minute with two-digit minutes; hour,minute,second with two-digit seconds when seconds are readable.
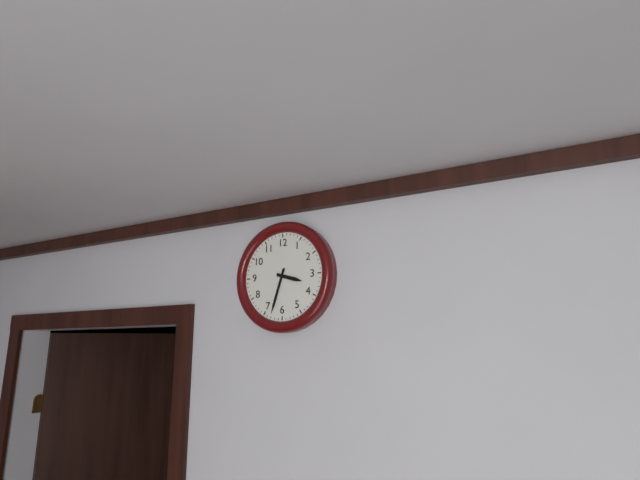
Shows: 3,33
